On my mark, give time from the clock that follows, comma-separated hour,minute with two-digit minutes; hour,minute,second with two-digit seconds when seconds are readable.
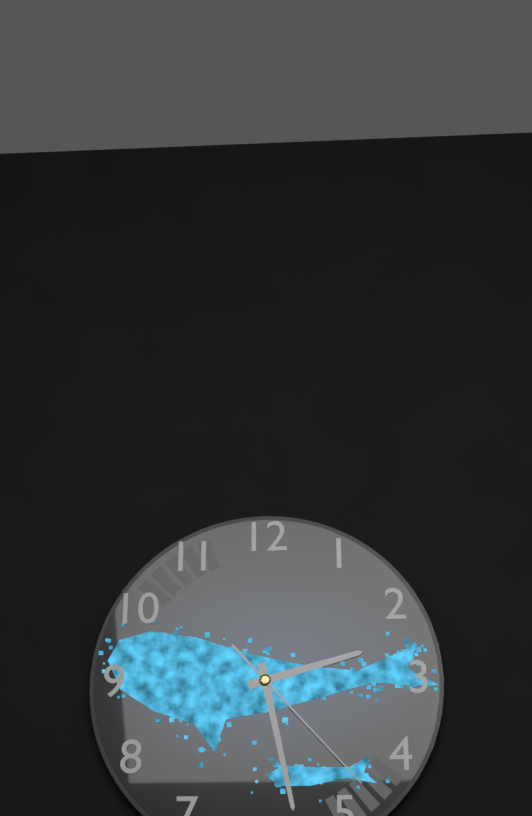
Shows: 2,28,23
